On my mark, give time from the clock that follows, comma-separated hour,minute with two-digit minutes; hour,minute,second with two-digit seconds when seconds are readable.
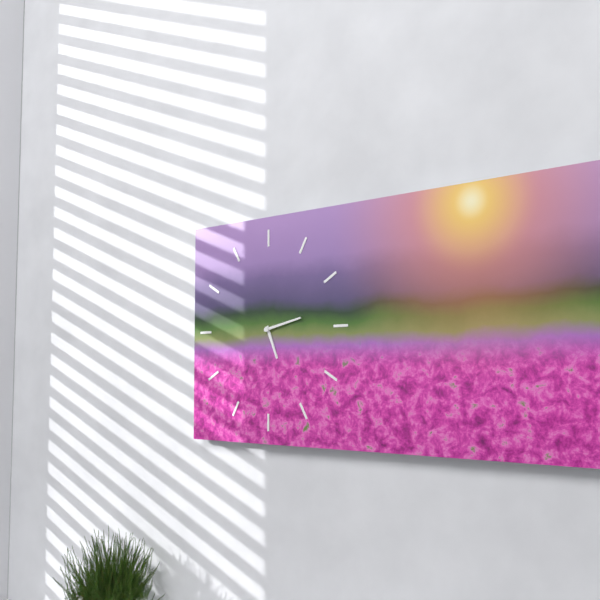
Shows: 5,13
